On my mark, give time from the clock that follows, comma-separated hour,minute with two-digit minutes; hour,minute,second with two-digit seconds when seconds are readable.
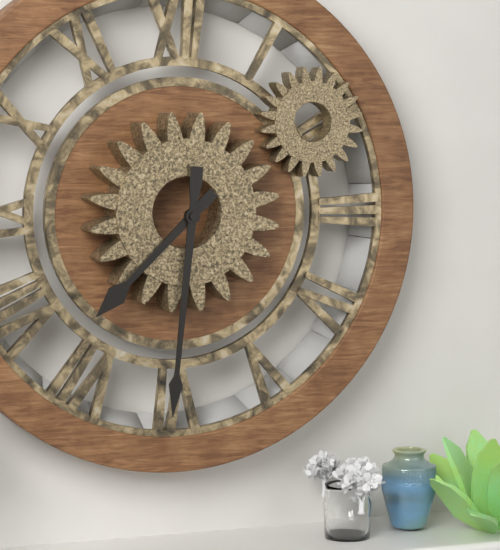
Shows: 7,31
